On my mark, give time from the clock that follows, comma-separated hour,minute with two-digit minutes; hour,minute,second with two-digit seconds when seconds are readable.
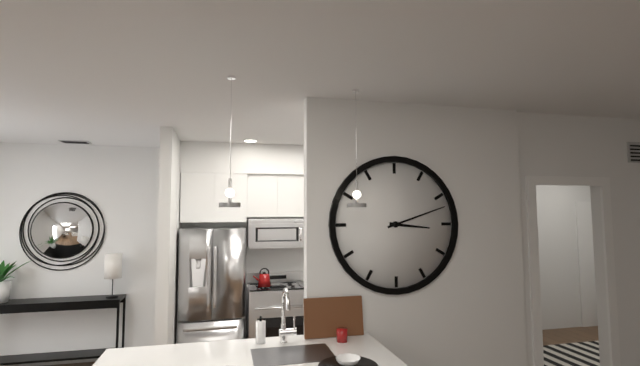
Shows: 3,12
